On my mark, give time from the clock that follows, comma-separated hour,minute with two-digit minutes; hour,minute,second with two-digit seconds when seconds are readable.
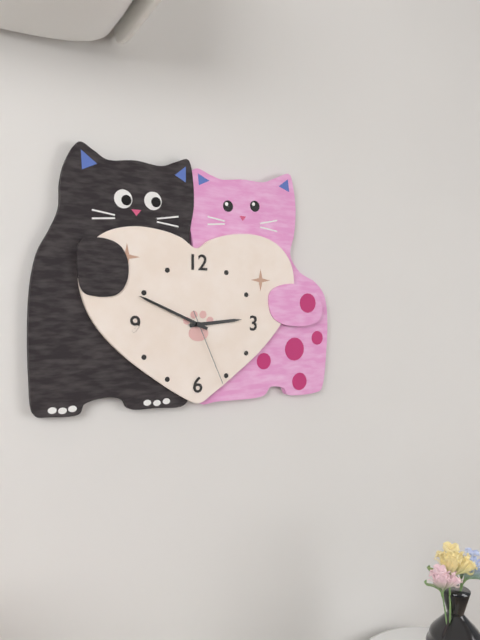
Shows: 2,49,26
